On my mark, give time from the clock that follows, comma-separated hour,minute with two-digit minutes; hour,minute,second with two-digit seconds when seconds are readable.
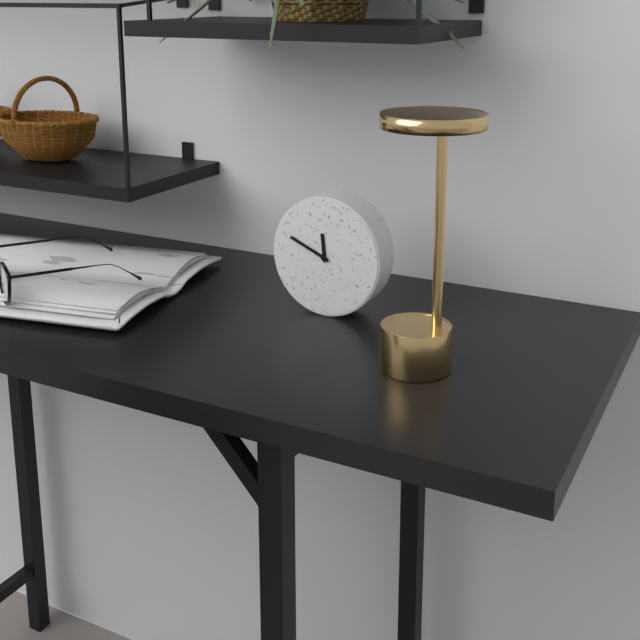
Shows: 11,49
